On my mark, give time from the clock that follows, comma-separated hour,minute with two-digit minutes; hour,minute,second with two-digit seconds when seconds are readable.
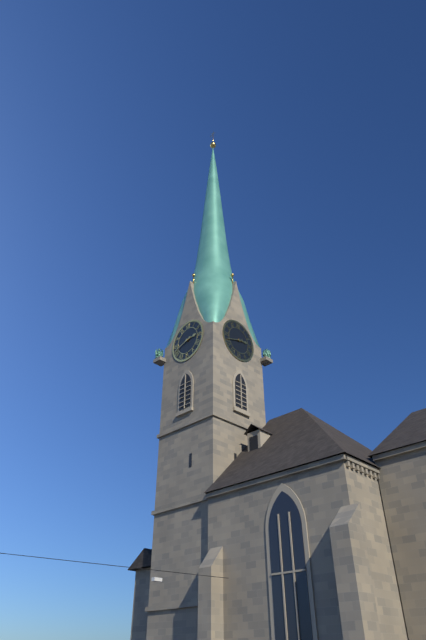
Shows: 2,42
